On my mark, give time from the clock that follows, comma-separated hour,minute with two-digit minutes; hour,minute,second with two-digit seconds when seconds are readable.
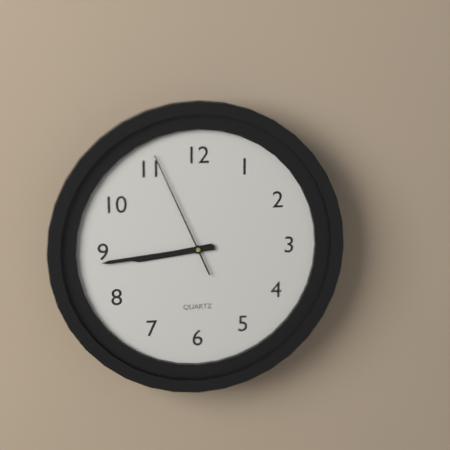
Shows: 8,44,56
